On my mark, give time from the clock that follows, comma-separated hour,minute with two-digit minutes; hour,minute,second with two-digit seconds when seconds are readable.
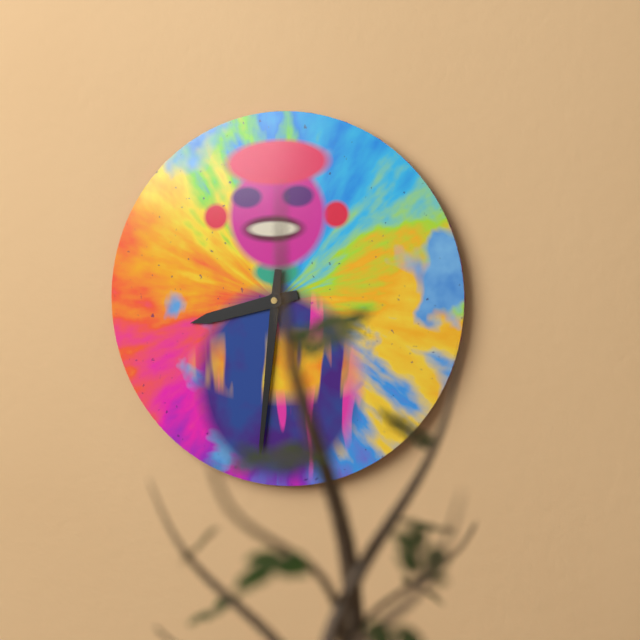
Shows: 8,31
